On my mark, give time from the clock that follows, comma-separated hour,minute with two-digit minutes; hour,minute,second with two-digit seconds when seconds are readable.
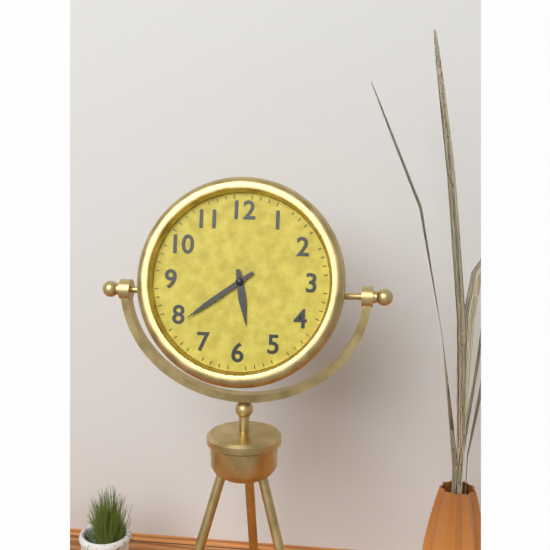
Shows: 5,39
